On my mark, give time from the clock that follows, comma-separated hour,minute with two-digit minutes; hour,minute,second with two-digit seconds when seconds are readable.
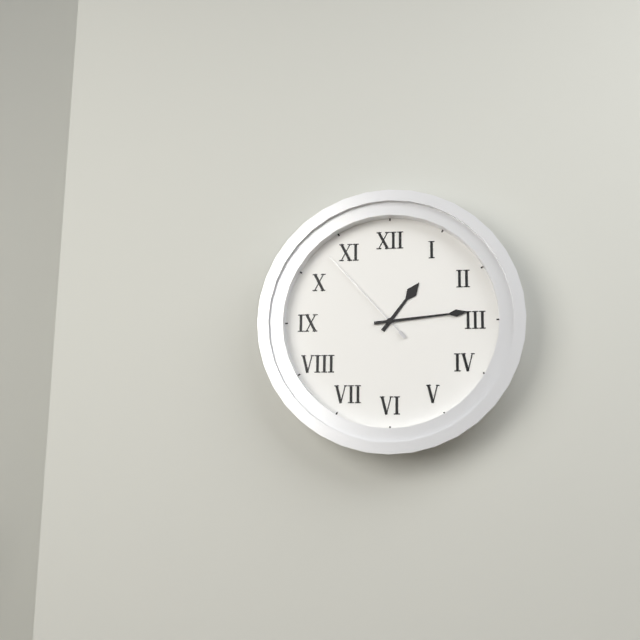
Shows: 1,14,53
